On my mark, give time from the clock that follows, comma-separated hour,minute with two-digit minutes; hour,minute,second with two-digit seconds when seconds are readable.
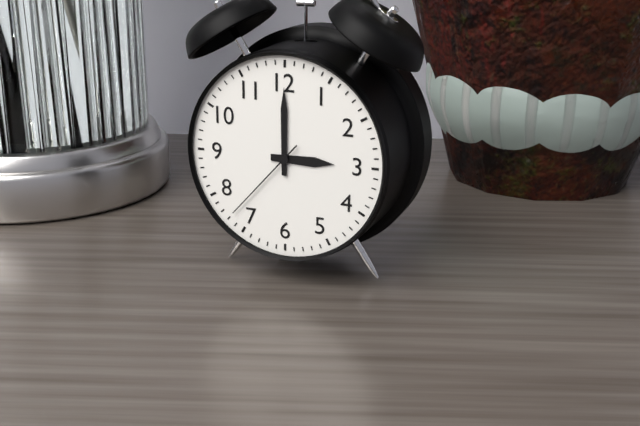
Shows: 3,00,37
